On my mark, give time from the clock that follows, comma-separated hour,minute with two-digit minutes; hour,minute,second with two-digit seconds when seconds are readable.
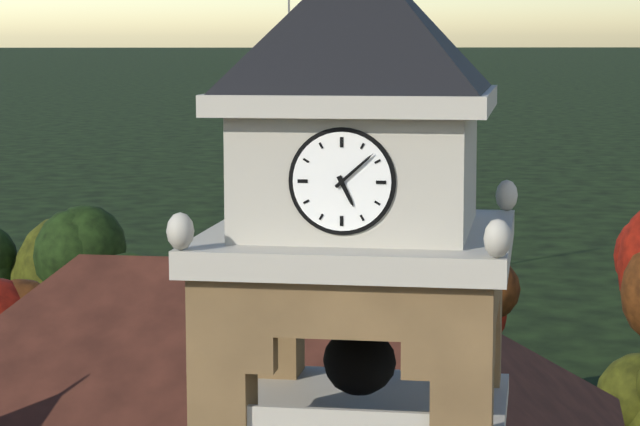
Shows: 5,08
